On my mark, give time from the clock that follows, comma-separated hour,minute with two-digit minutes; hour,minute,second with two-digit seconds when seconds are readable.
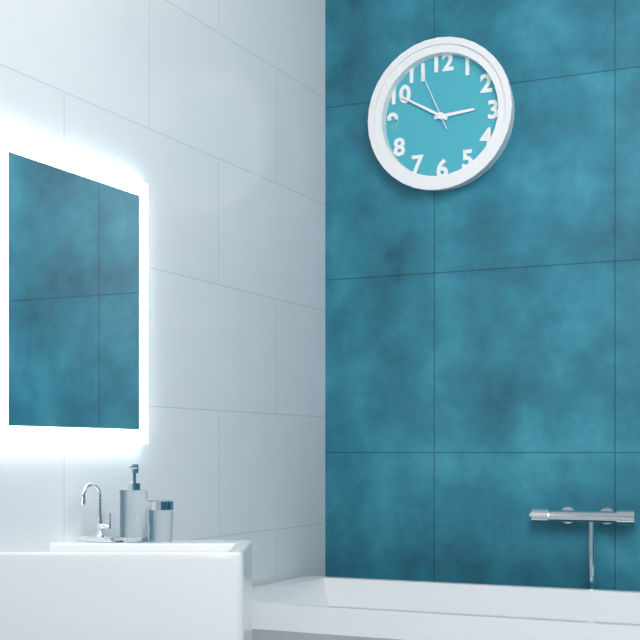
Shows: 2,50,56
